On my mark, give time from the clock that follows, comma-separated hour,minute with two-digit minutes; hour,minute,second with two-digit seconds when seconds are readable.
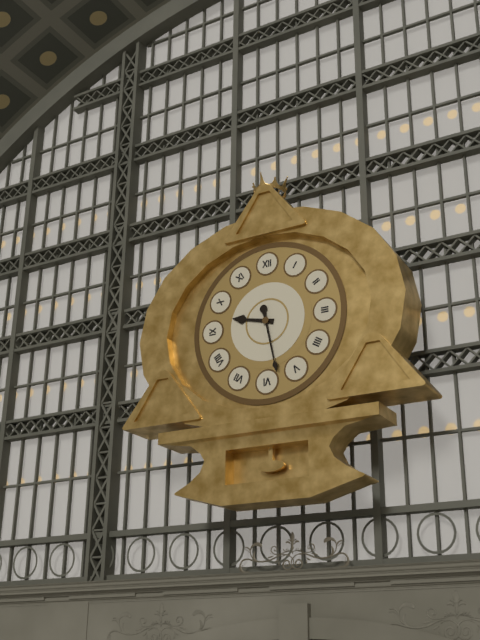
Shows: 9,28
